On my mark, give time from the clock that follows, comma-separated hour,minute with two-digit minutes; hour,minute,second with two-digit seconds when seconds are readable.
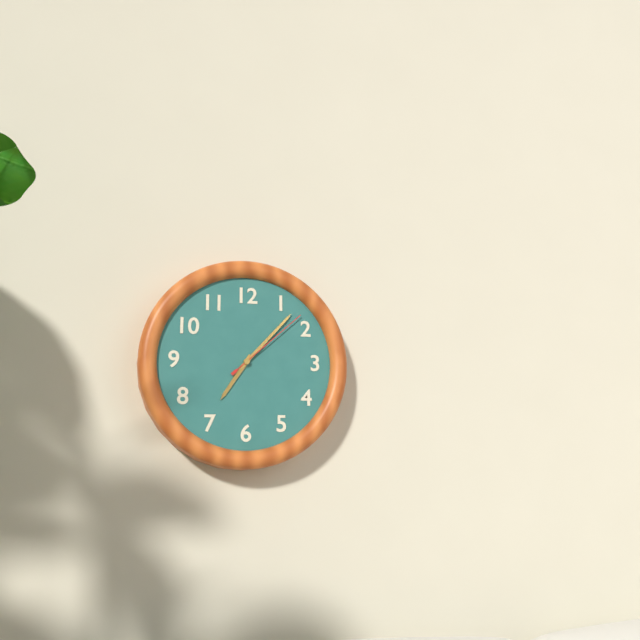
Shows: 7,07,08
